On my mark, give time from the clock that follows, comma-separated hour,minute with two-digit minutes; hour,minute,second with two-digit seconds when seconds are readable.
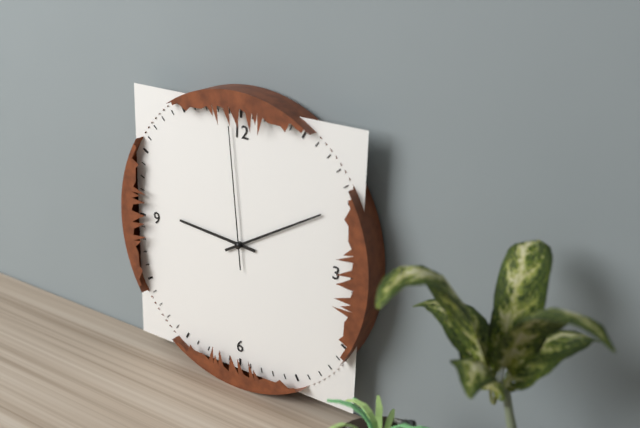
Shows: 9,10,59
